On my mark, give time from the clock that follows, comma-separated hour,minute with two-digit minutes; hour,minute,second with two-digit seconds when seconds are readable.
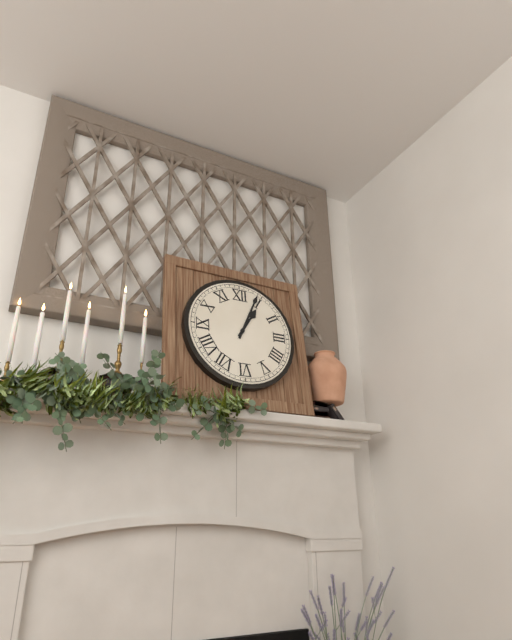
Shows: 1,04
